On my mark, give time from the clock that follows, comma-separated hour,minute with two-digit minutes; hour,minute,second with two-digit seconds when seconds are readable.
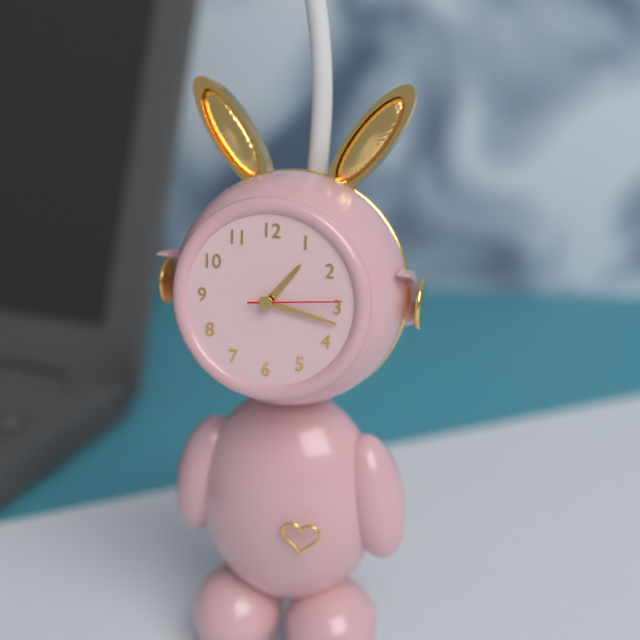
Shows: 1,17,14
